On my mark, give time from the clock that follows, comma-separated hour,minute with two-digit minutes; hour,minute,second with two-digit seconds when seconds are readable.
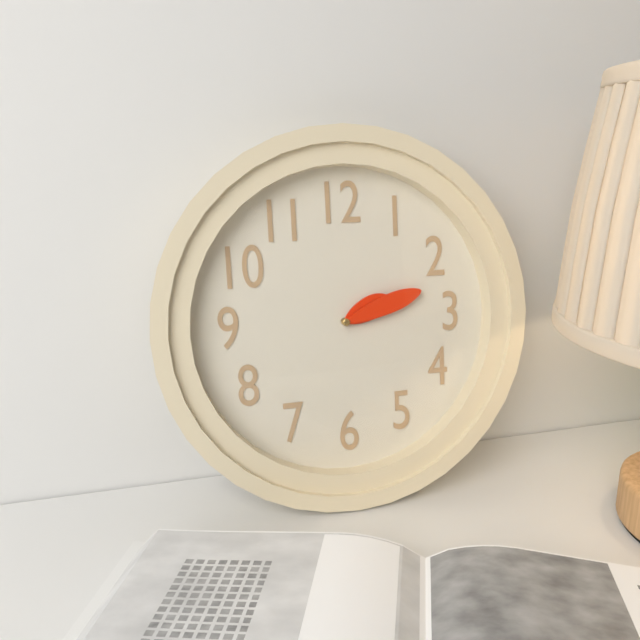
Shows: 2,12
